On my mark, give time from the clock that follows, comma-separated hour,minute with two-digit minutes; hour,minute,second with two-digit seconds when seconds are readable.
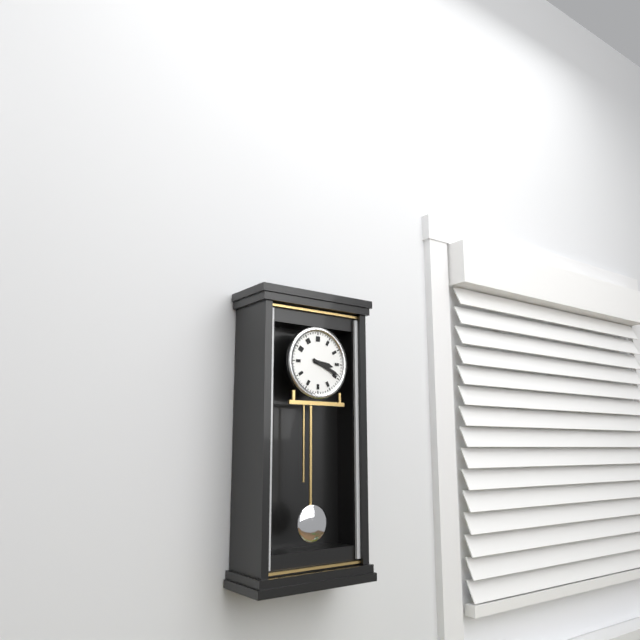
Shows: 3,19
